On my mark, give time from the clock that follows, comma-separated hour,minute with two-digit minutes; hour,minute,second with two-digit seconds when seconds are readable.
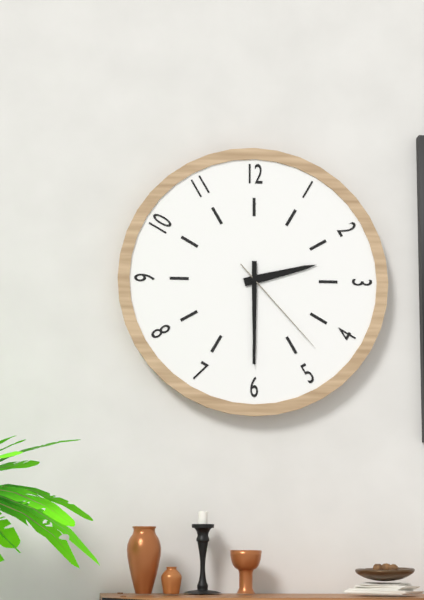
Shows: 2,30,23
